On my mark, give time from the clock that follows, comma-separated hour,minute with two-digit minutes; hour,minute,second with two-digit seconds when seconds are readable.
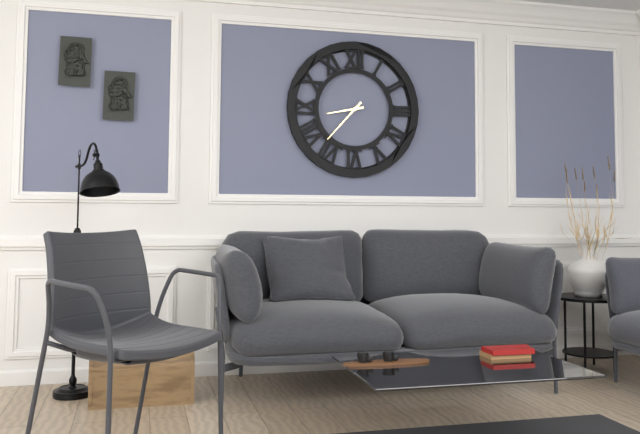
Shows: 8,37
